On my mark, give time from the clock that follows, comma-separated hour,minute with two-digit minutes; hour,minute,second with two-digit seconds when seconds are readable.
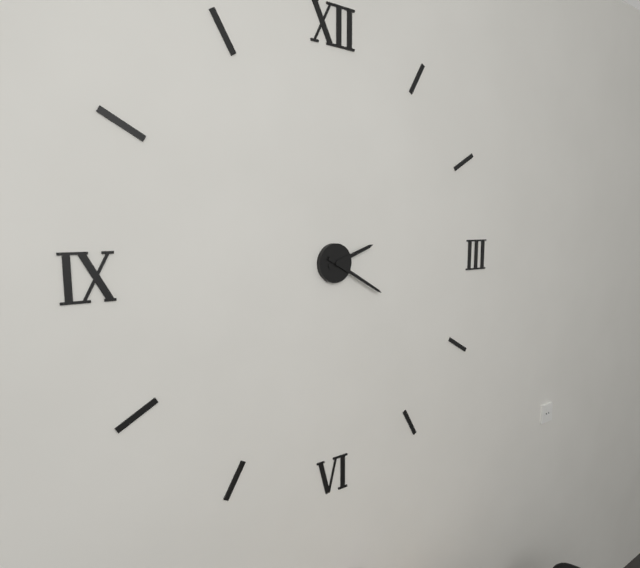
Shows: 2,20
